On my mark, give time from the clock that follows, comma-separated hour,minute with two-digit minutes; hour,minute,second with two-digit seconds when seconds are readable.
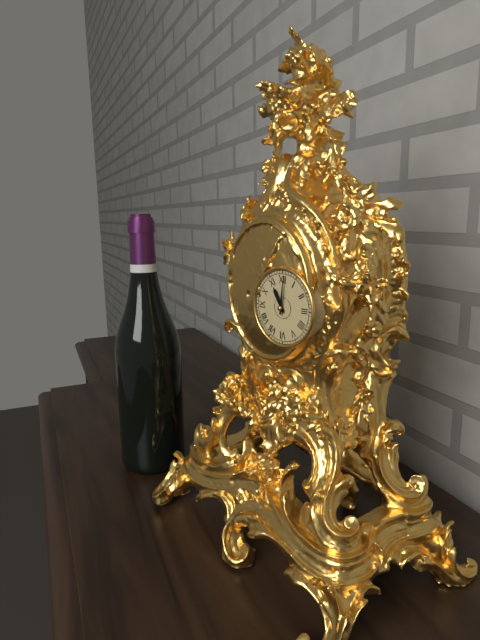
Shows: 11,01
